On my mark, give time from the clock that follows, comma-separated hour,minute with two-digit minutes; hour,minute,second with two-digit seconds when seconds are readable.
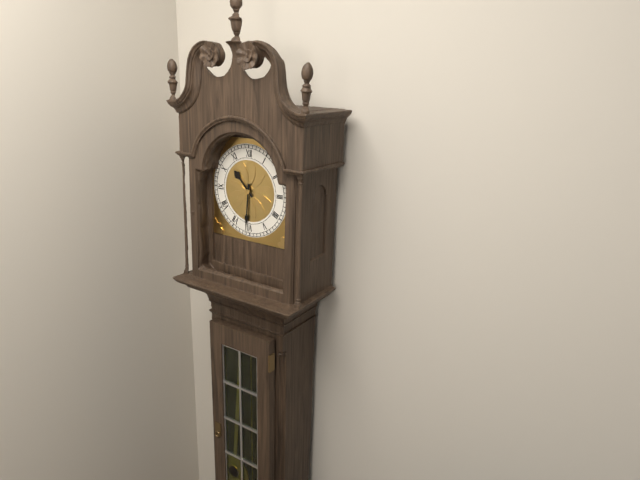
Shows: 10,31
